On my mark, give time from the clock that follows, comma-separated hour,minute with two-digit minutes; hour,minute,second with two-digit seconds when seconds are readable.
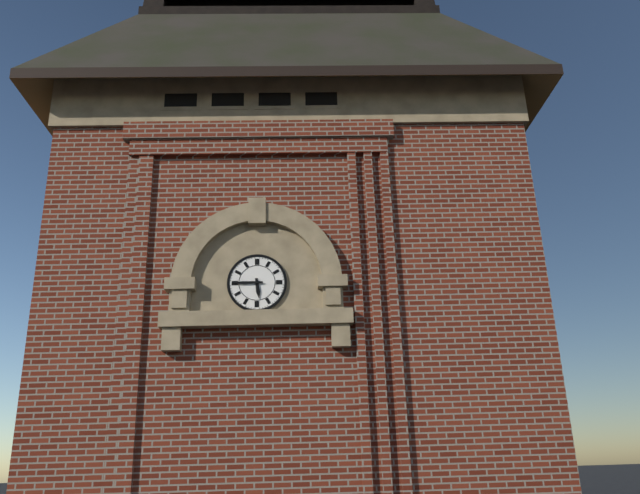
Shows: 5,45
